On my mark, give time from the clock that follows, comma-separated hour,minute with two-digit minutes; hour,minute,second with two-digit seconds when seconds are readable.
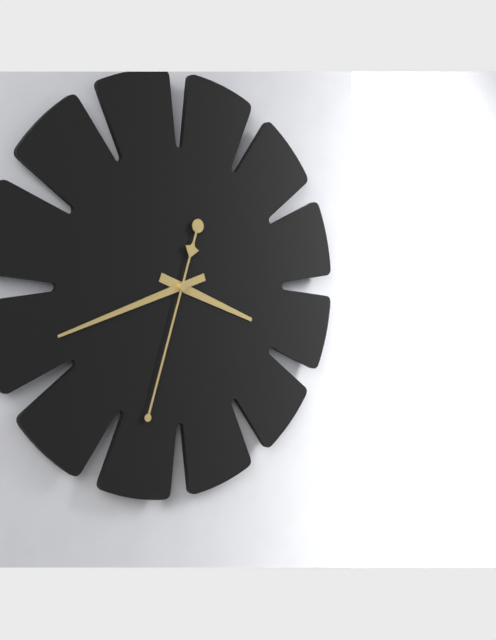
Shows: 3,42,33
